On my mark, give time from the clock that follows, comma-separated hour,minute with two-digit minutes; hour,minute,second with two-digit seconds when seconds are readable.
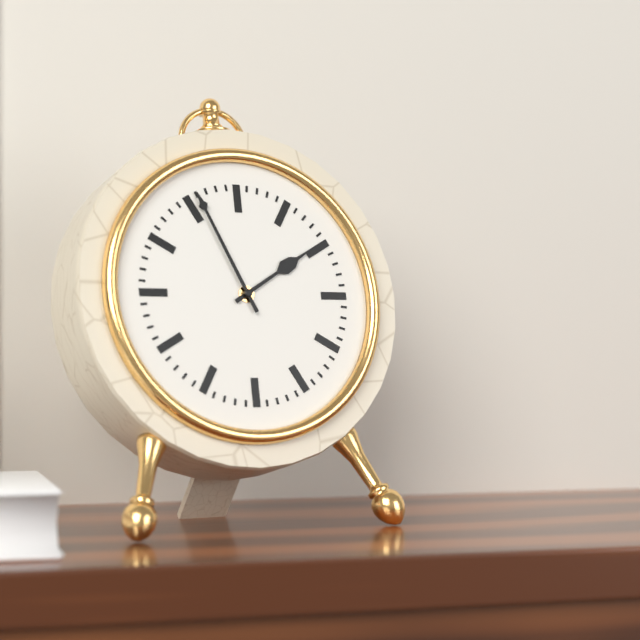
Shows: 1,56
